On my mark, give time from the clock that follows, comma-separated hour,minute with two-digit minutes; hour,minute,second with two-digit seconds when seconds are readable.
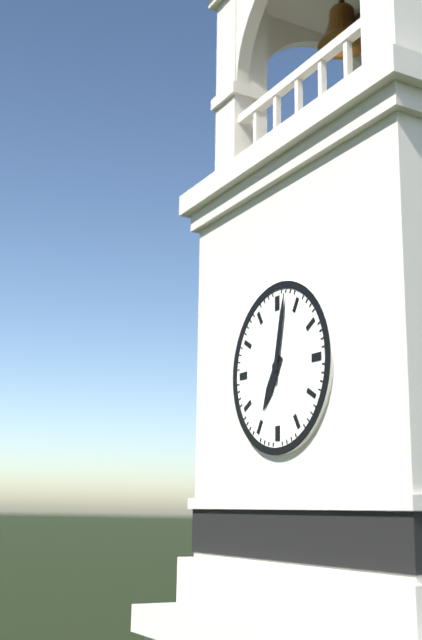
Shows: 7,02
